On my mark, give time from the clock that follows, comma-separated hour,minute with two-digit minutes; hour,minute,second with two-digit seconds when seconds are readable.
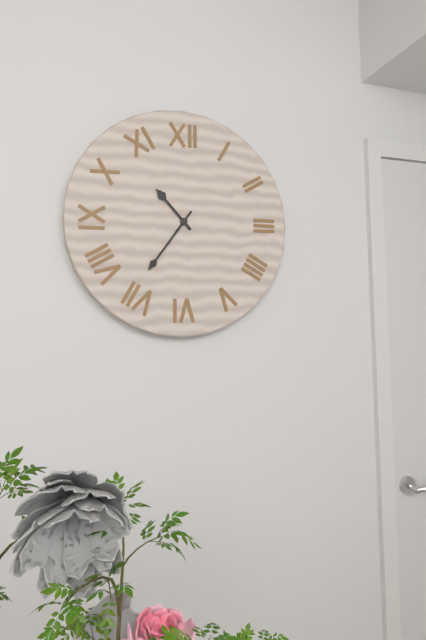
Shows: 10,36
